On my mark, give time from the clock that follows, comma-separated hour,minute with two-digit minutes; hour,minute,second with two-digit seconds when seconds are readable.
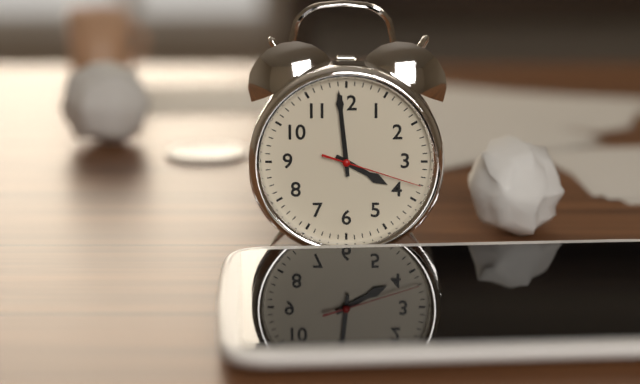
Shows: 3,59,18
